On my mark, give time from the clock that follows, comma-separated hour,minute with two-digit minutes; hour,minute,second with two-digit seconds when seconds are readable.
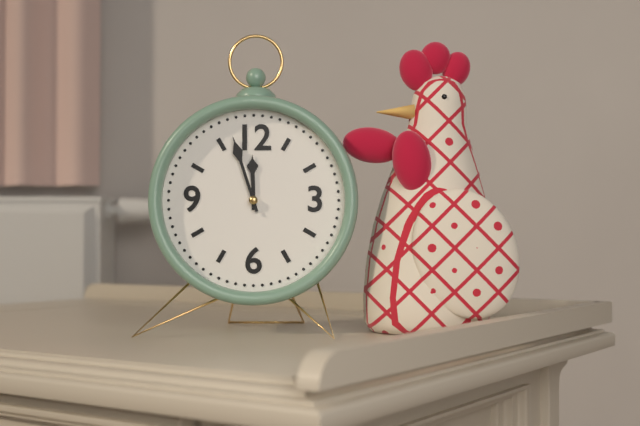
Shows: 11,57
